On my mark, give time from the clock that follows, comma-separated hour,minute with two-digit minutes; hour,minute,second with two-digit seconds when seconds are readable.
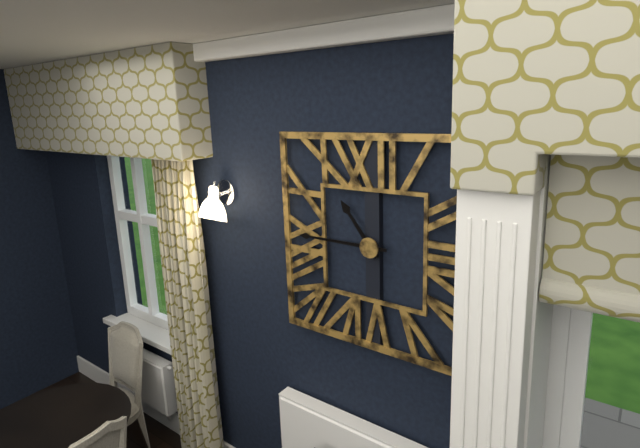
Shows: 10,45
